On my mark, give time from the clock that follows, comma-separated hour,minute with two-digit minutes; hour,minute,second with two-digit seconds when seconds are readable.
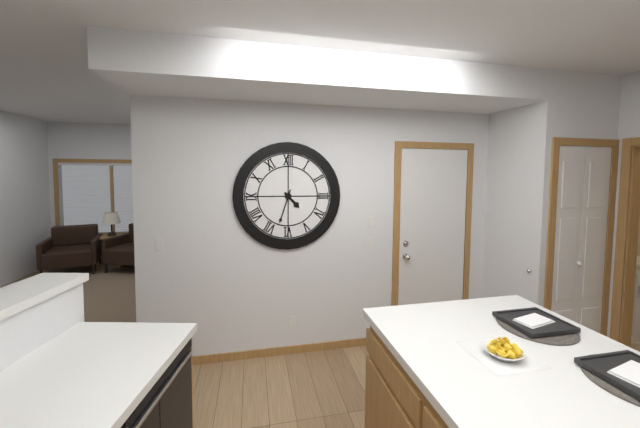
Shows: 4,33
